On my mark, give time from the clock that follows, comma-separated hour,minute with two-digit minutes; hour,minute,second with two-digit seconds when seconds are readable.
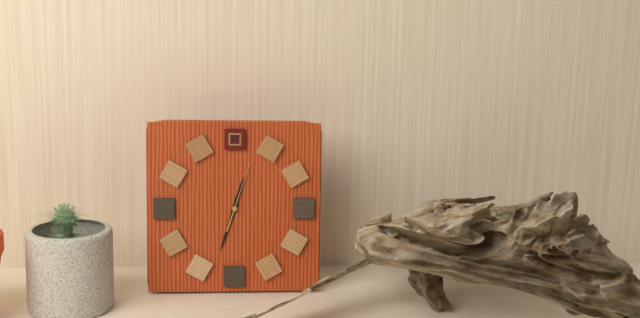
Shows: 12,33,03
